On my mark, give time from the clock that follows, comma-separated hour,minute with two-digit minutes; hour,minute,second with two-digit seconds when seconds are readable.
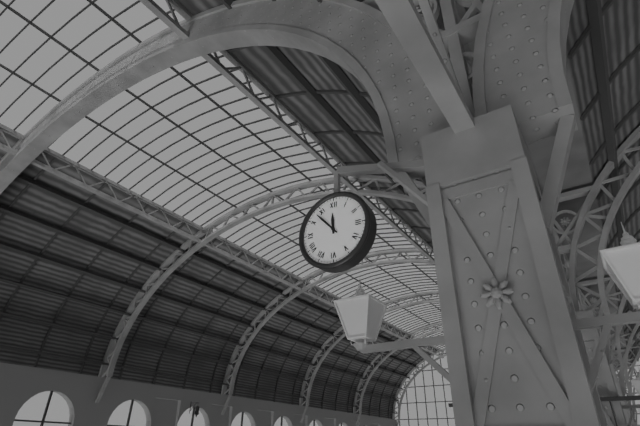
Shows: 11,53
